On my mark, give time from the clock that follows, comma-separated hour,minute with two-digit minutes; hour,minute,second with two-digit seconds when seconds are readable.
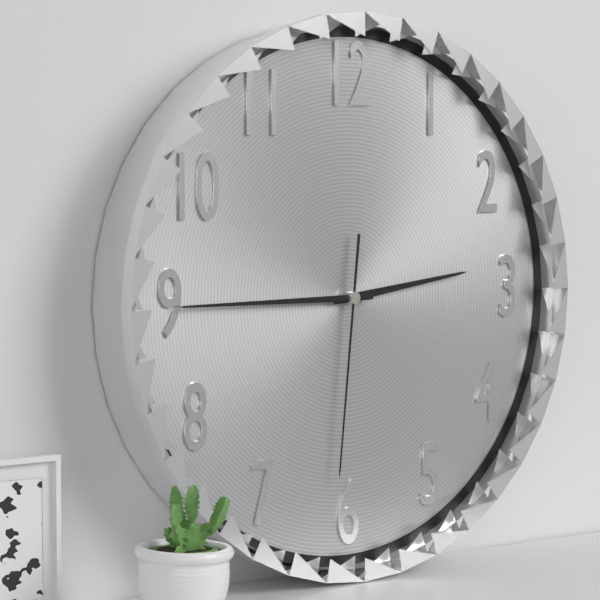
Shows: 2,45,31
